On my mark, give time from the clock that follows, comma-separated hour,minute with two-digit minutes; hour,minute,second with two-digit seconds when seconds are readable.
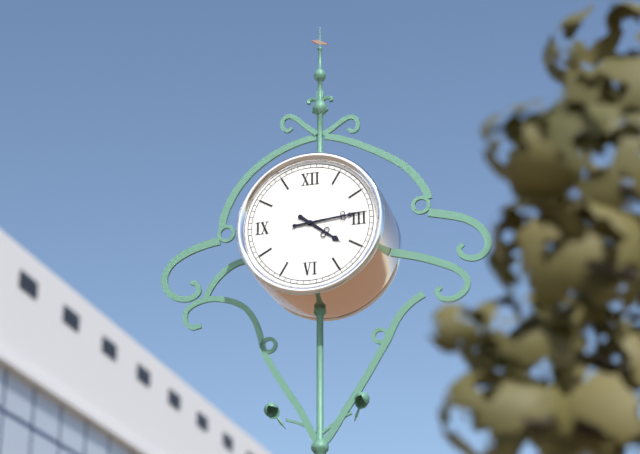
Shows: 4,14
